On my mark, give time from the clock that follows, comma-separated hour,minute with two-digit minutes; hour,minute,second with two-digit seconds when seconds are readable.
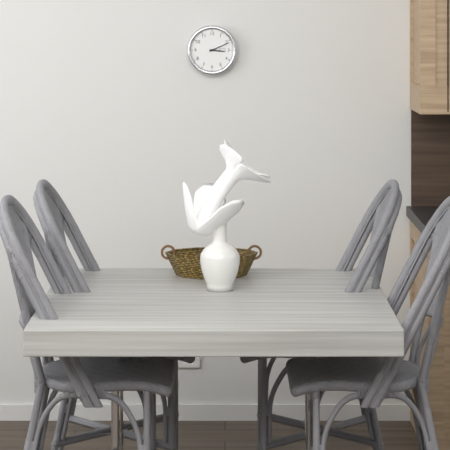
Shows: 3,11
